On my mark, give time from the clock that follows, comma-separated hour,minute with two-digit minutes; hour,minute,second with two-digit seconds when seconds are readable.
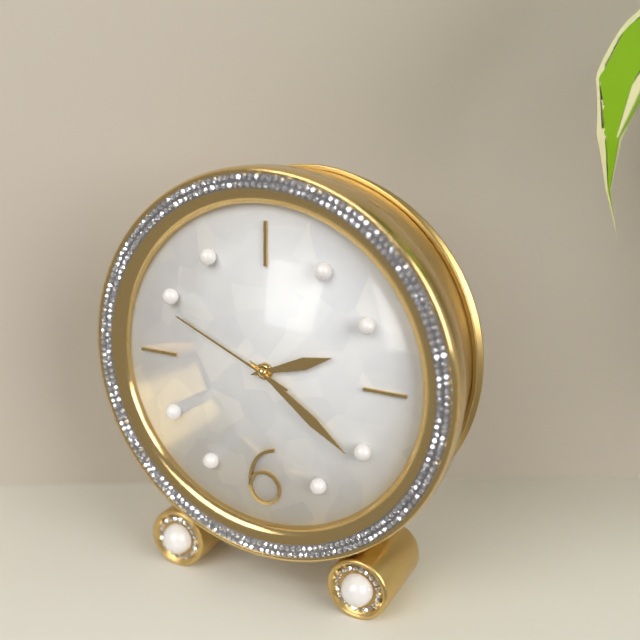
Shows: 2,21,49
